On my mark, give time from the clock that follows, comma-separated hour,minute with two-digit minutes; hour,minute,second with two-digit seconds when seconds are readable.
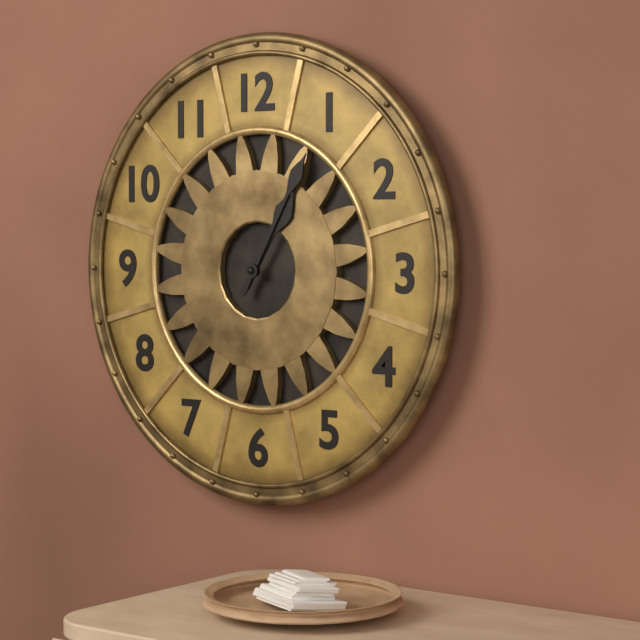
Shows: 1,05
